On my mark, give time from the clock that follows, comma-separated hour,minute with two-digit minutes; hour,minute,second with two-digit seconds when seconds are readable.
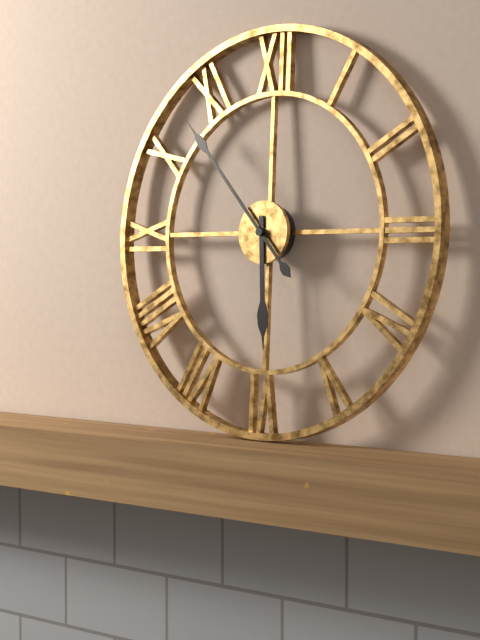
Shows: 5,53
